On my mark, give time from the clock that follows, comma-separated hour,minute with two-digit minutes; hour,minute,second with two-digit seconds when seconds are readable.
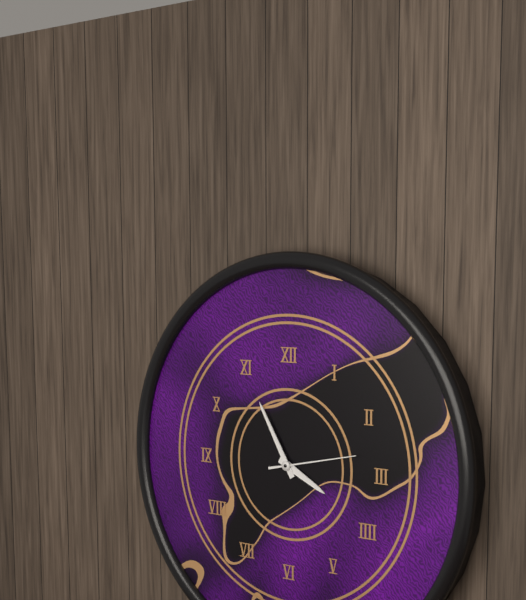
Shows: 3,55,13
